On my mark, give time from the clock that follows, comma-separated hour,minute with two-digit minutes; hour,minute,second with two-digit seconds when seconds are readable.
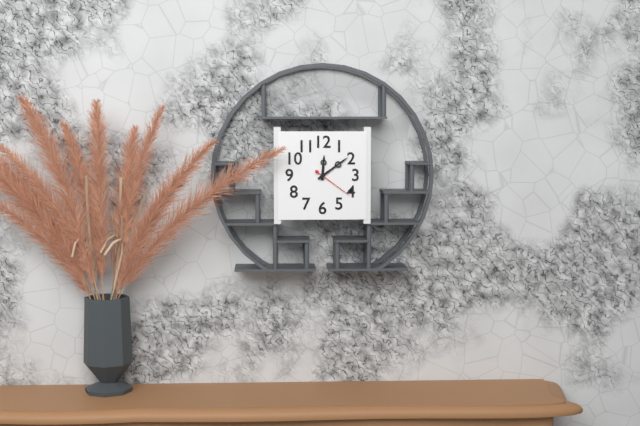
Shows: 12,09
